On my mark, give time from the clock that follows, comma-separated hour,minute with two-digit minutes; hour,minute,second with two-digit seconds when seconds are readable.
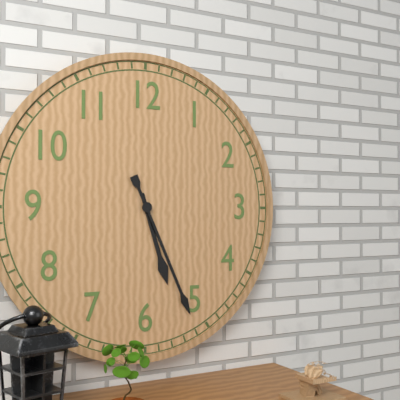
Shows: 5,26
